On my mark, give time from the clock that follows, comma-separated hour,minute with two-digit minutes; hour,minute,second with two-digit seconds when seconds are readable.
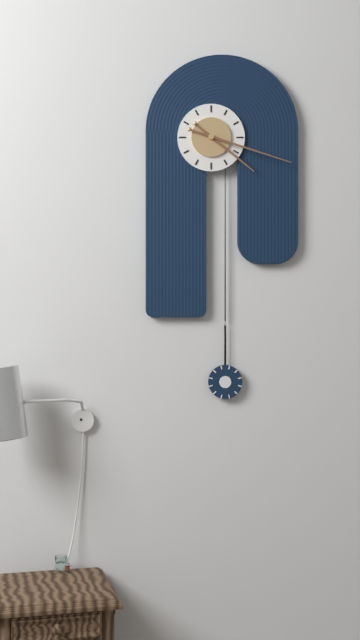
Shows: 4,18
